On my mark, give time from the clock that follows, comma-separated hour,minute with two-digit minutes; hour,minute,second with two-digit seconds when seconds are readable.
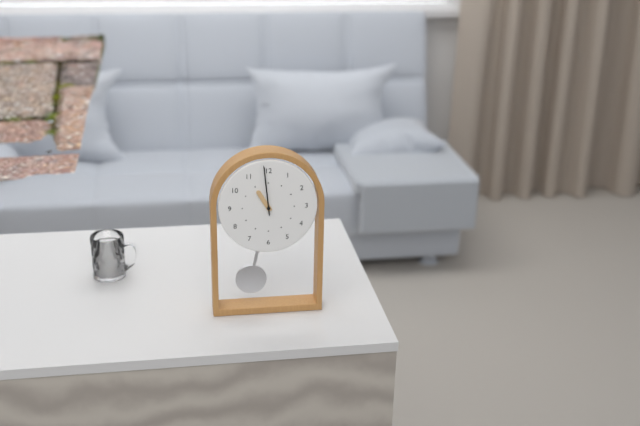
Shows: 10,59
